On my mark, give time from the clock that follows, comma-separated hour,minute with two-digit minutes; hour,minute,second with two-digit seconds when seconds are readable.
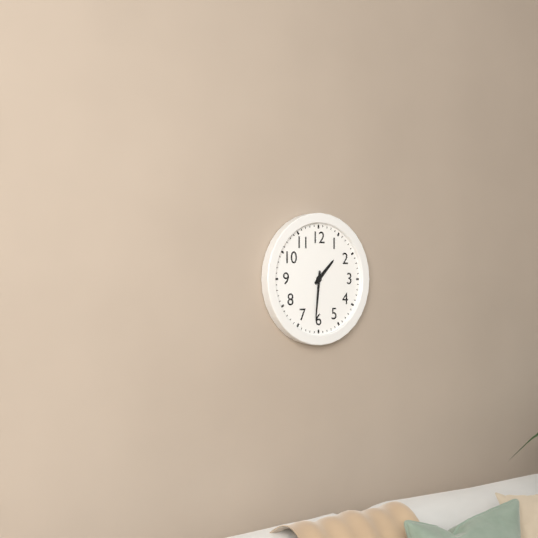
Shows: 1,31
